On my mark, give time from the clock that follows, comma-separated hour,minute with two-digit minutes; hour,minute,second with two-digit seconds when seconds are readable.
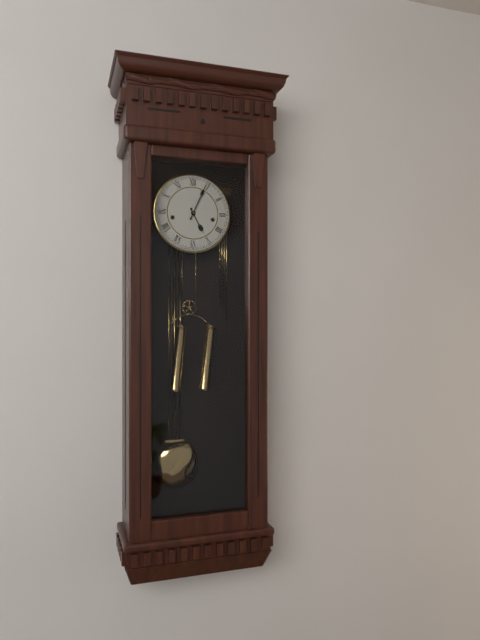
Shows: 5,04
